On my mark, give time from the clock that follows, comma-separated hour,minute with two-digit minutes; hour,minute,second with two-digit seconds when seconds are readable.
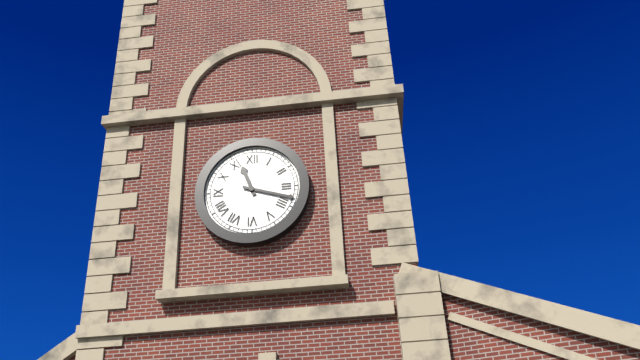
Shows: 11,18
